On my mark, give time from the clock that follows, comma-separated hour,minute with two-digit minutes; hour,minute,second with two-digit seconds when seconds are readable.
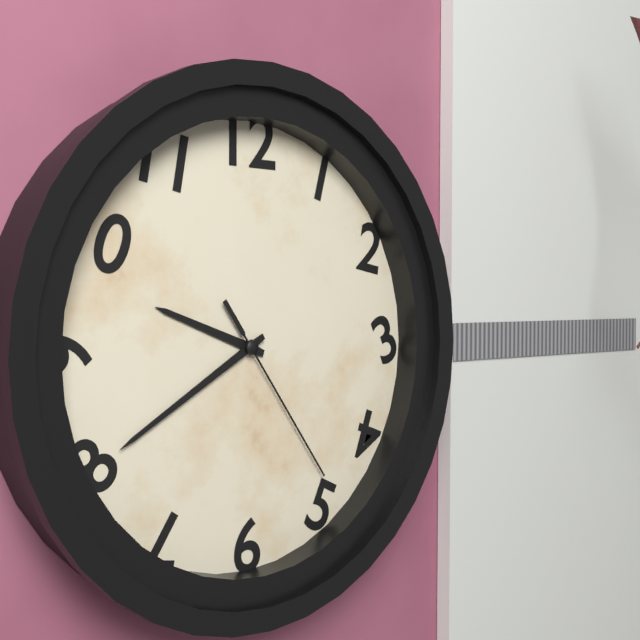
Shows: 9,40,24
